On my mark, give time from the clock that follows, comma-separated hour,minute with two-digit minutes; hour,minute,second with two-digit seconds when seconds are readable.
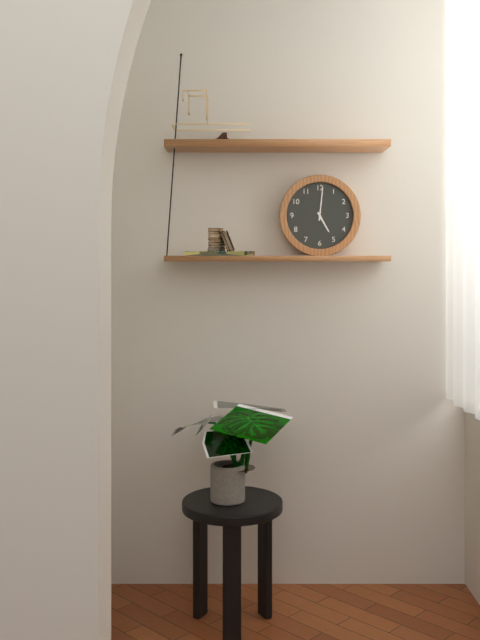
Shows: 5,01
